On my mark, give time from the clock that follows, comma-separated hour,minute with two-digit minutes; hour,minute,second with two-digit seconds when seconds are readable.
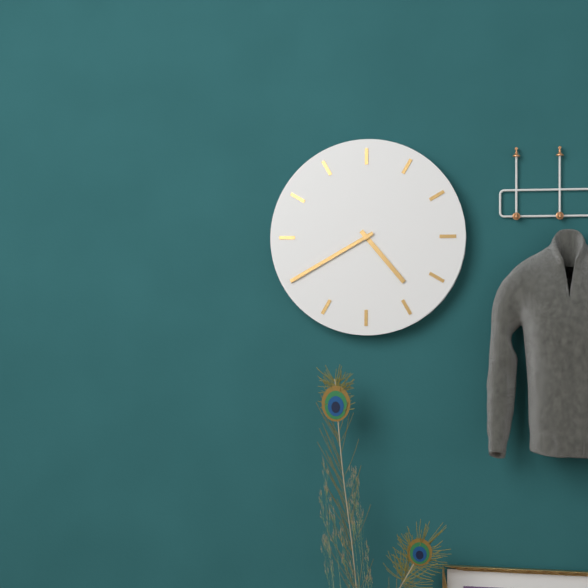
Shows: 4,40
